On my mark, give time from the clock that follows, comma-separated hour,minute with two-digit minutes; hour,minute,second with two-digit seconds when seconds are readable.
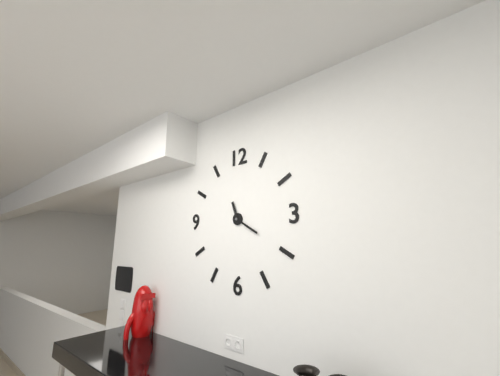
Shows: 11,20
